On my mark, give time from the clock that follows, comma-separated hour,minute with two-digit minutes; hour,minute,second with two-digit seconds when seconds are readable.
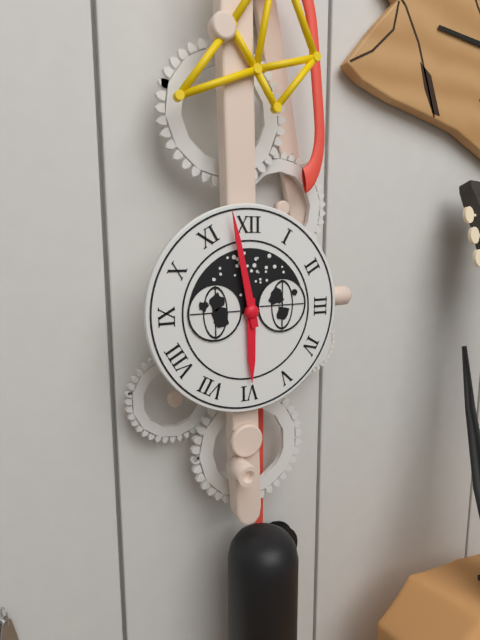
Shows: 5,58
